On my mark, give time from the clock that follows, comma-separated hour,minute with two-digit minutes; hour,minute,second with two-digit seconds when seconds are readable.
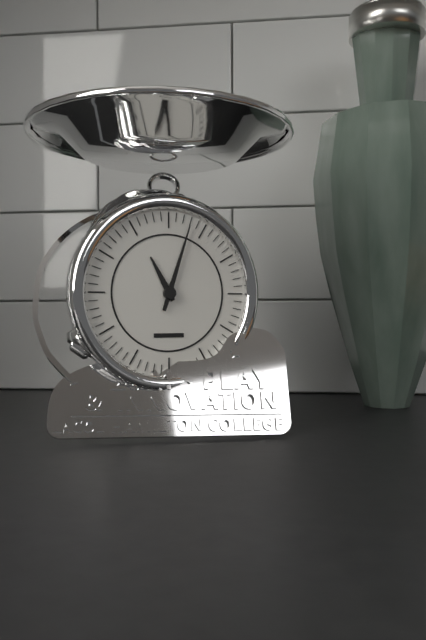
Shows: 11,03
